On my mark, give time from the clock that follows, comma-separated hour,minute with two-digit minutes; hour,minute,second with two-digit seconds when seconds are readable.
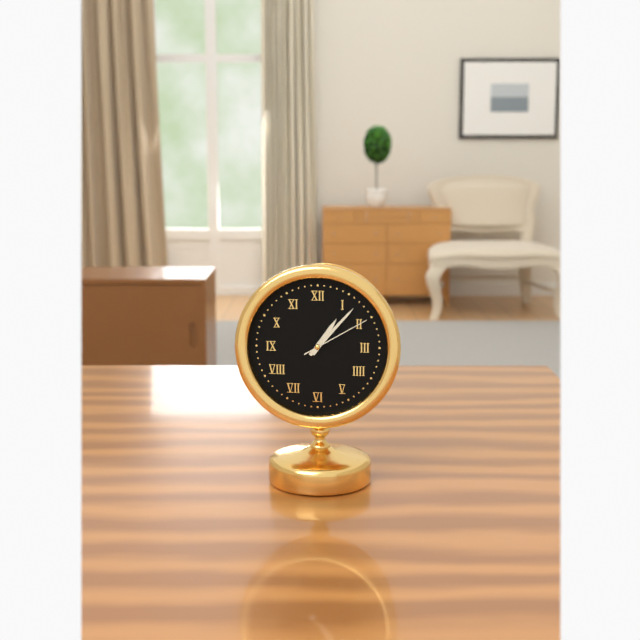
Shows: 1,07,10
